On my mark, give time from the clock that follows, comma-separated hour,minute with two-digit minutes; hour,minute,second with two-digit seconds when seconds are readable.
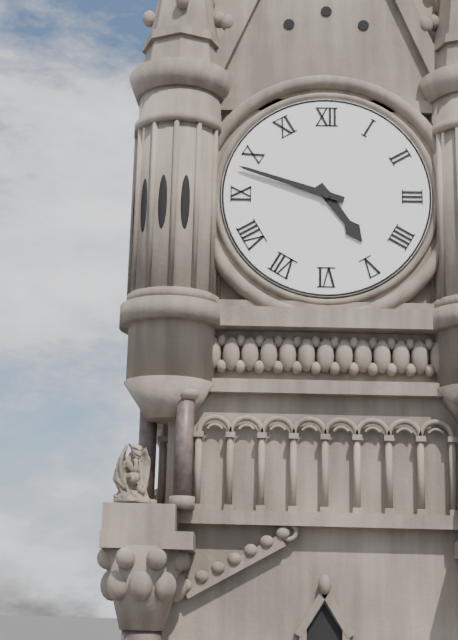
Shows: 4,48
